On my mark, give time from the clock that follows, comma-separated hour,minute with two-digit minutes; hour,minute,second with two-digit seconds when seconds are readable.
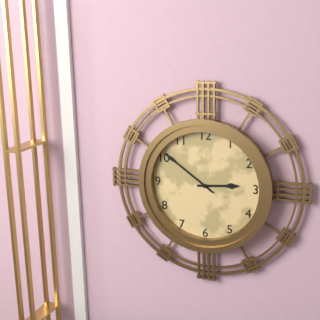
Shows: 2,51
